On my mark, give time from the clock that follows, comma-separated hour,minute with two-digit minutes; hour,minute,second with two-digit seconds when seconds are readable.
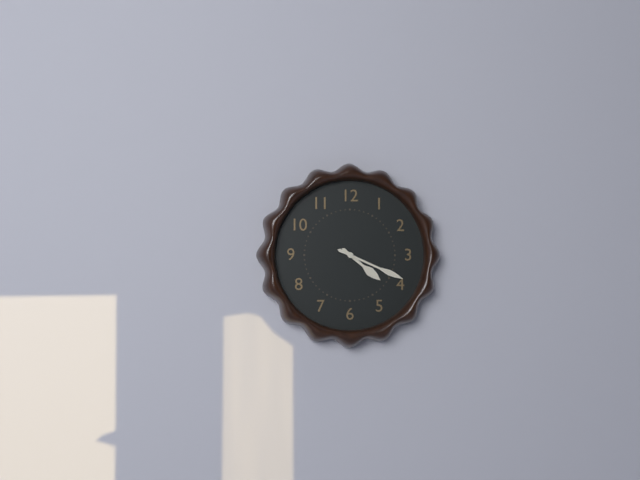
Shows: 4,19
